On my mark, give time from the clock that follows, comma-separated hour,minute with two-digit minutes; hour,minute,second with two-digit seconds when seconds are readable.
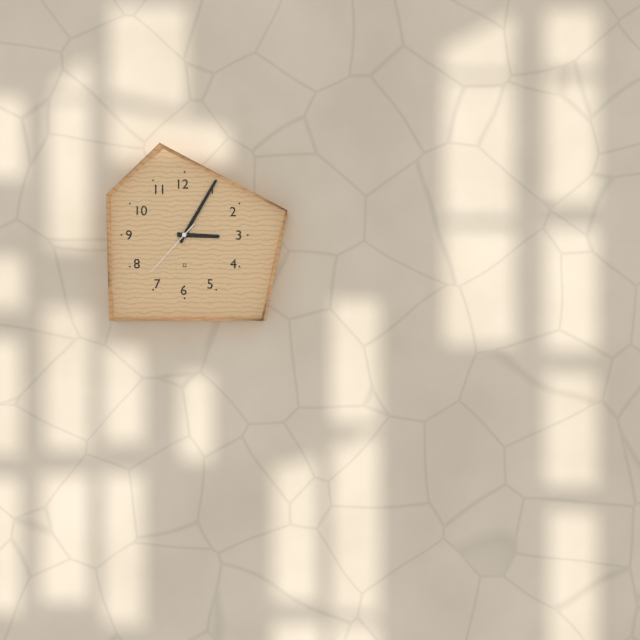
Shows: 3,05,37
